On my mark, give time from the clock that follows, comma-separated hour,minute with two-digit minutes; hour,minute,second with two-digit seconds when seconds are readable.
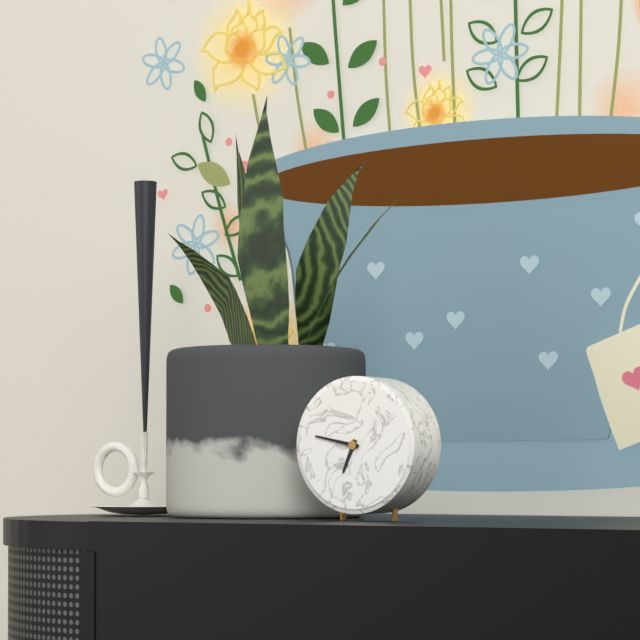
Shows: 6,47
